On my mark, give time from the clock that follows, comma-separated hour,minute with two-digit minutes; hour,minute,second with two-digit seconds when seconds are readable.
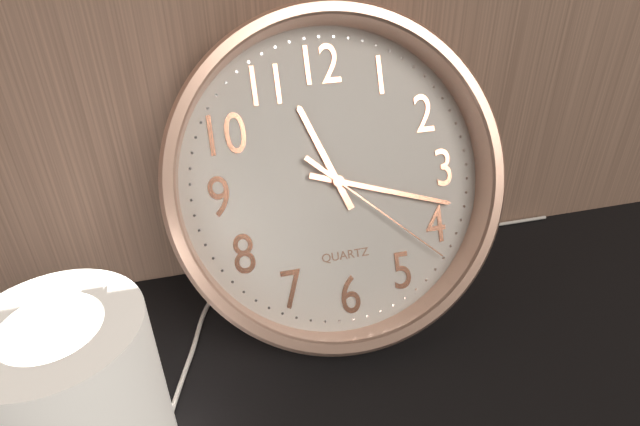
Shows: 11,18,22
